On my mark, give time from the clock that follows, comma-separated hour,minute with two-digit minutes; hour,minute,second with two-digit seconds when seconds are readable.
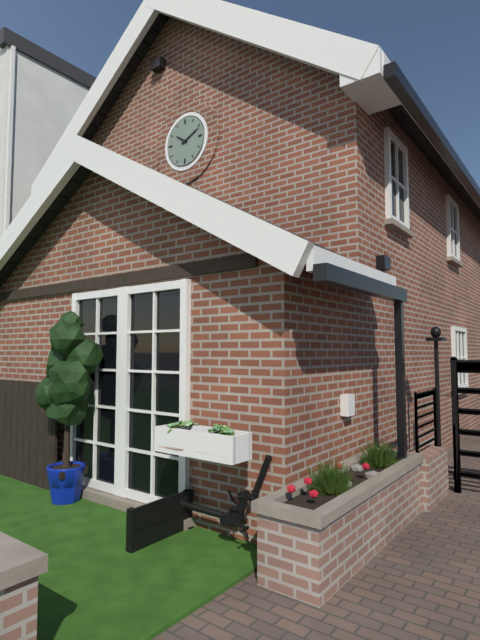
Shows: 10,11
